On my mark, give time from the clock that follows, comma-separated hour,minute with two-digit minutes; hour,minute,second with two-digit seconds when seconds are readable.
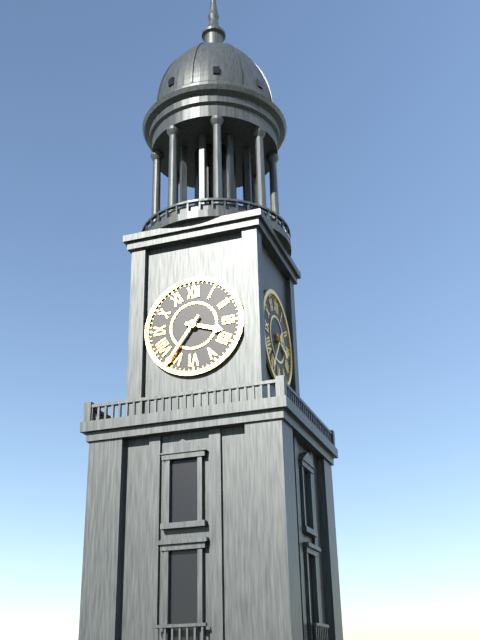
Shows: 3,36
